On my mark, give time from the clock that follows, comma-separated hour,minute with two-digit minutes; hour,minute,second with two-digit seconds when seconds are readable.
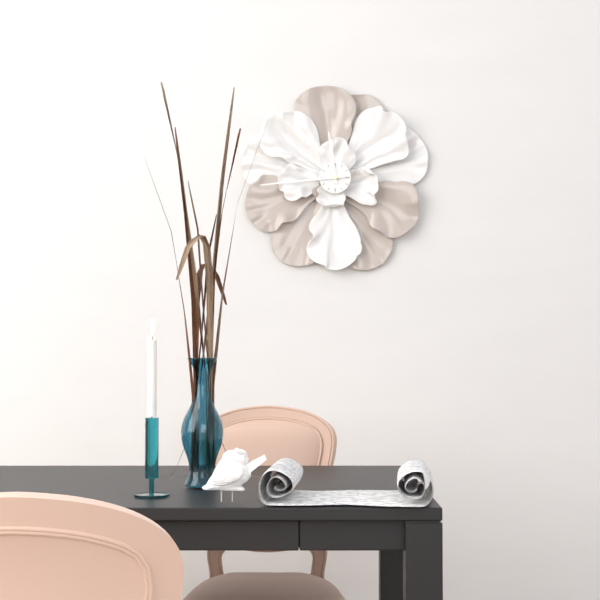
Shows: 11,44
